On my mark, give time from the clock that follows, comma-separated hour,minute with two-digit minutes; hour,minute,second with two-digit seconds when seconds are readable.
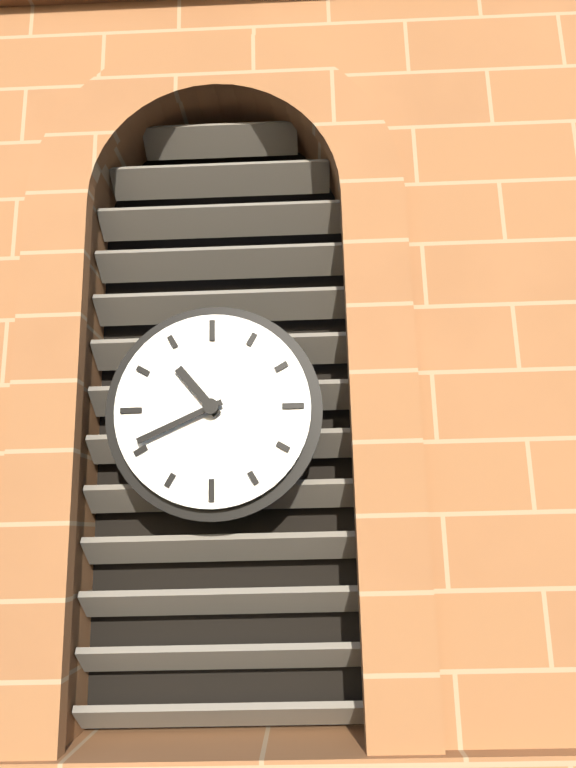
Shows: 10,41
